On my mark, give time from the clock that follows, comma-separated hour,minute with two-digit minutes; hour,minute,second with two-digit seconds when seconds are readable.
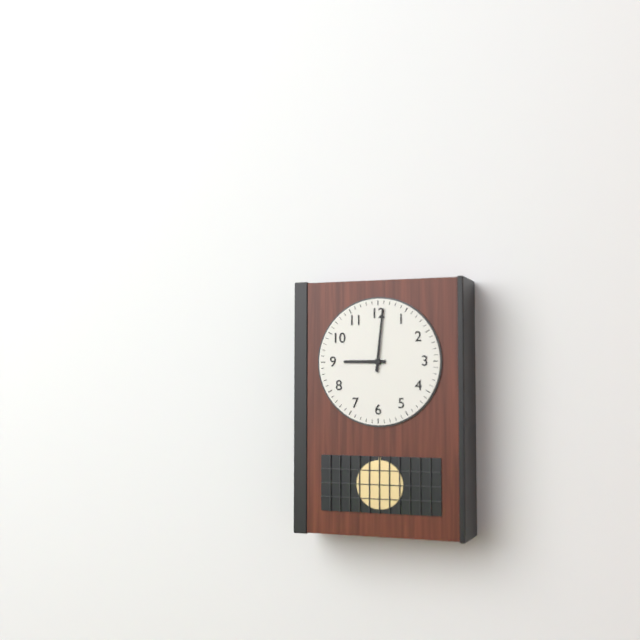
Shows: 9,01
